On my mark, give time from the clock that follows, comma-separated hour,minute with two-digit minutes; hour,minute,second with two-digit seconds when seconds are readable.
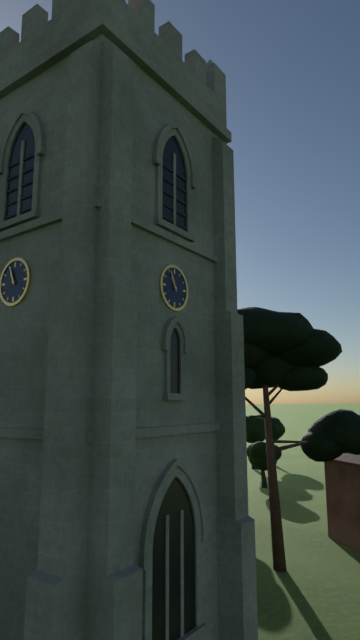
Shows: 10,56
